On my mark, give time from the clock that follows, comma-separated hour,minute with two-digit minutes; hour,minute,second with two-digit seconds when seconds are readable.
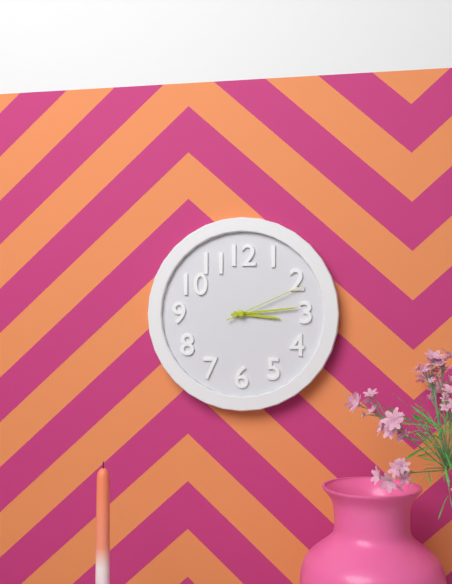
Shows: 3,14,11
